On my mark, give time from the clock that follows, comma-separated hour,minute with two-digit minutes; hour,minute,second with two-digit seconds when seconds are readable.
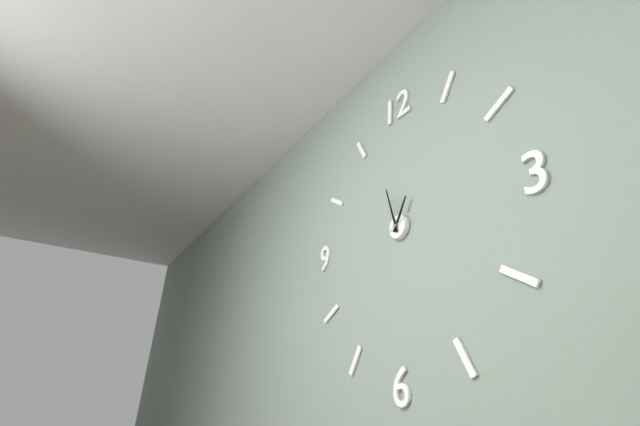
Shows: 12,57
